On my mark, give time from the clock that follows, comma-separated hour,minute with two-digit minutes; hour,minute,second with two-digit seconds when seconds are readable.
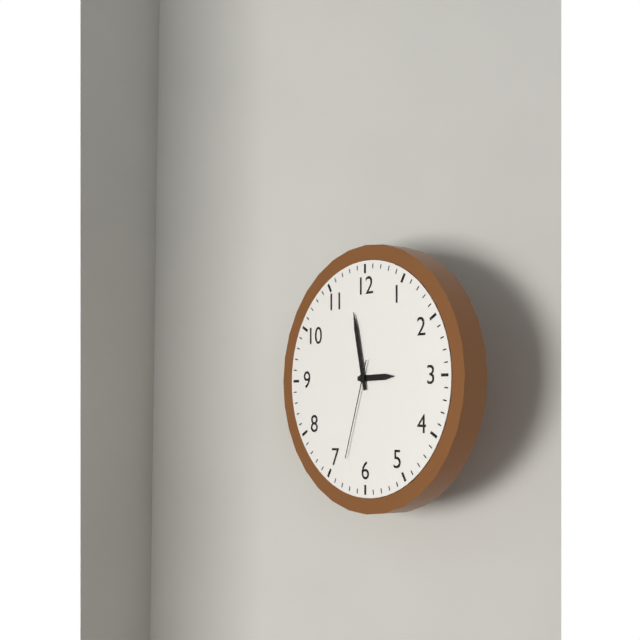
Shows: 2,58,33
